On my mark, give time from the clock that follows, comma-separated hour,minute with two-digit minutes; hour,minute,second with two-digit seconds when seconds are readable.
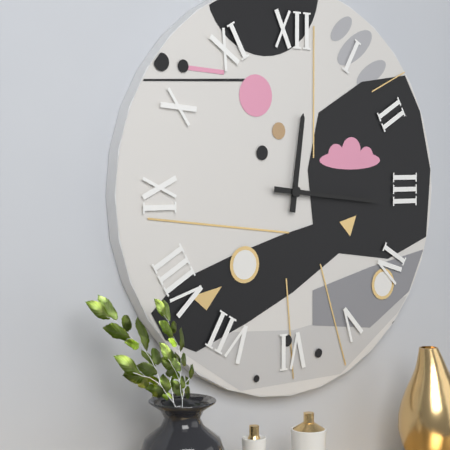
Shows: 12,16
